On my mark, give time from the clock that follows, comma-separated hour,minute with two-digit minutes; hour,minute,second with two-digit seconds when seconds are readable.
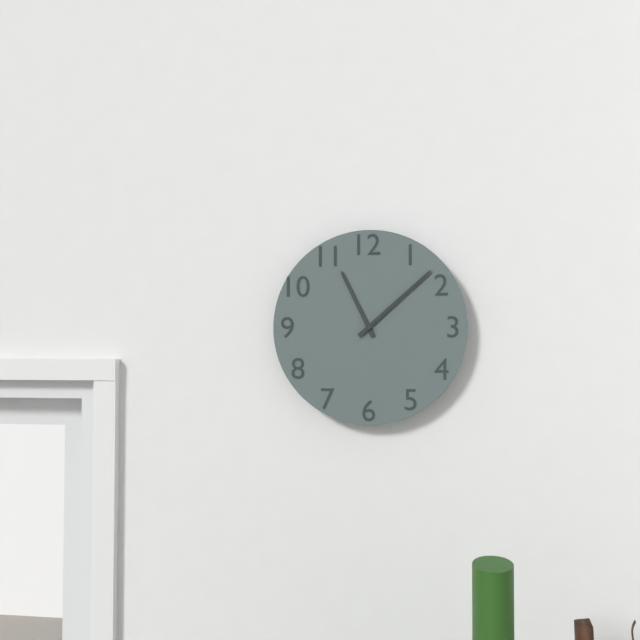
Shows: 11,08
